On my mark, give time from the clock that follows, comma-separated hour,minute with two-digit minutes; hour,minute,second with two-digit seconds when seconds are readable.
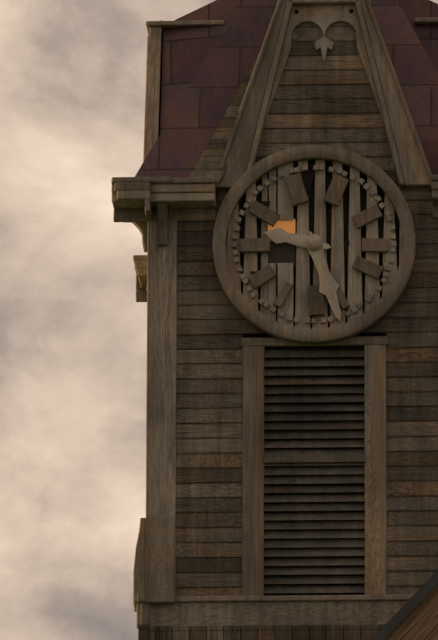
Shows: 9,27
